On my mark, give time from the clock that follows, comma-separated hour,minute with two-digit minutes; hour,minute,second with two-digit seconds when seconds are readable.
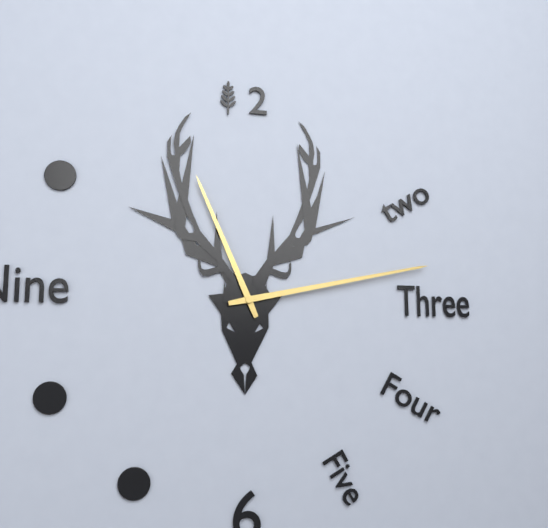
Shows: 11,13
